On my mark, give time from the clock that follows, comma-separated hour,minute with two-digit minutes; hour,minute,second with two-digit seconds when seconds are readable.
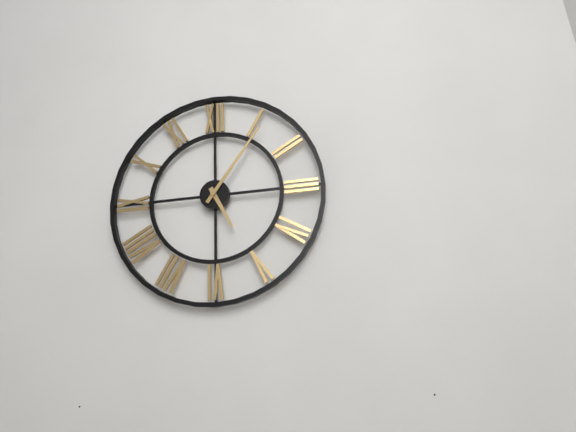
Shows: 5,06
